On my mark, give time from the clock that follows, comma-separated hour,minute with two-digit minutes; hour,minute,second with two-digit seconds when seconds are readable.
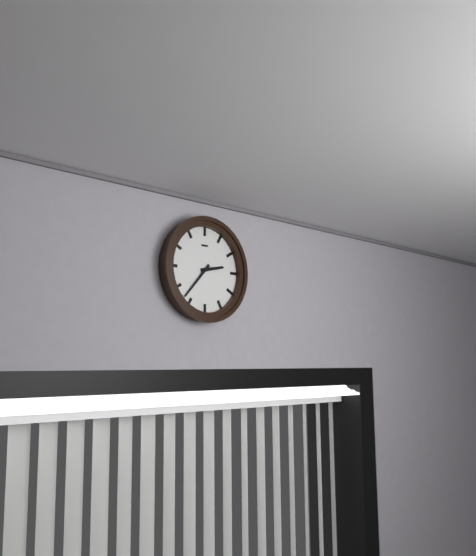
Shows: 2,37
